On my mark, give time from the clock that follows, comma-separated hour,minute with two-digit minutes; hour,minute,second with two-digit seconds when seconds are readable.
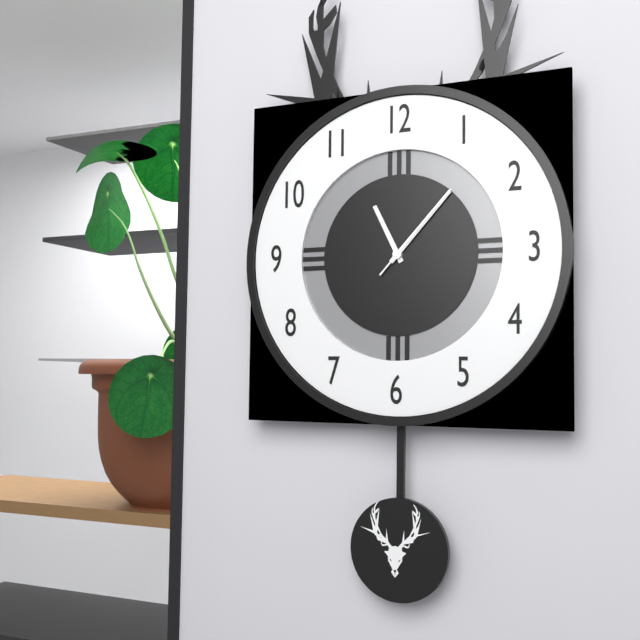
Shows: 11,07,07
